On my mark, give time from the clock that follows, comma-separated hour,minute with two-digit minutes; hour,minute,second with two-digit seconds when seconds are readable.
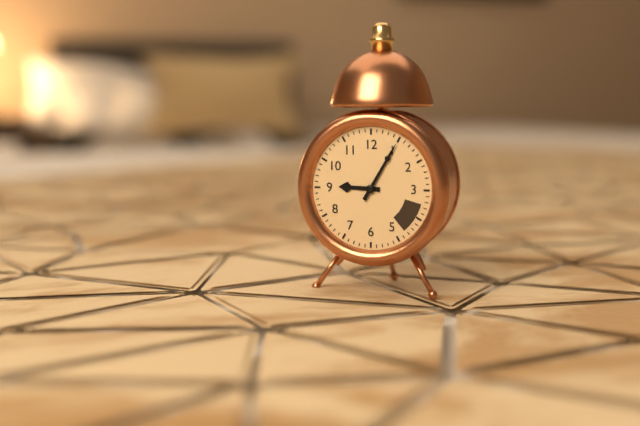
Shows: 9,05
